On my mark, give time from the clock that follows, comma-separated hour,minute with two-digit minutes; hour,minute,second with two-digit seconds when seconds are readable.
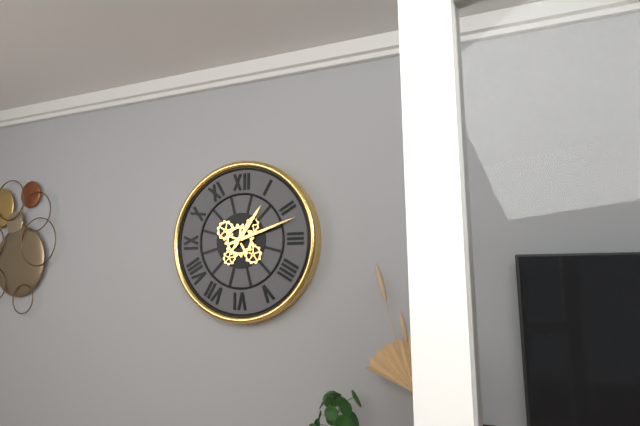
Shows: 1,12
